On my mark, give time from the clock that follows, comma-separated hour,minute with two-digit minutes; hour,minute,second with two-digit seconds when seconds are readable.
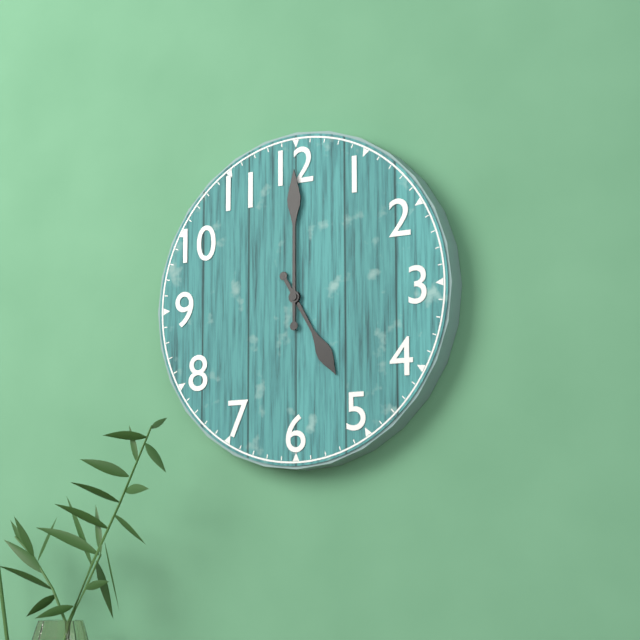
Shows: 5,00
